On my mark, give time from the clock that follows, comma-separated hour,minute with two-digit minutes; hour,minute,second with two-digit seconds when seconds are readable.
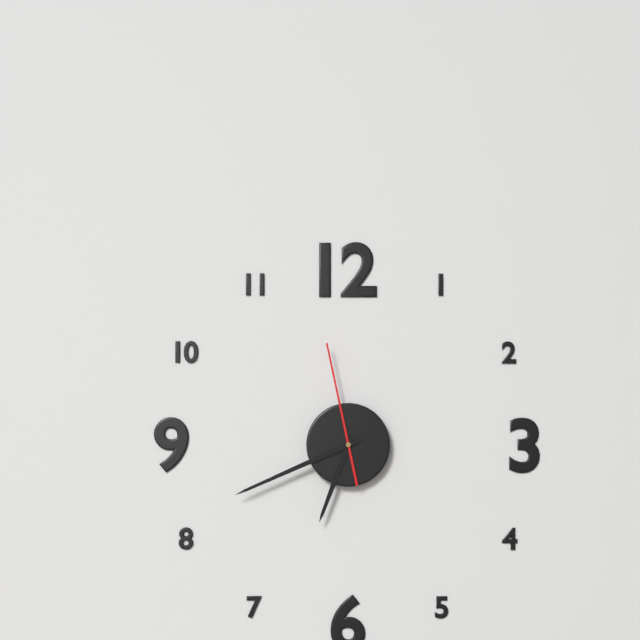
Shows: 6,41,58
